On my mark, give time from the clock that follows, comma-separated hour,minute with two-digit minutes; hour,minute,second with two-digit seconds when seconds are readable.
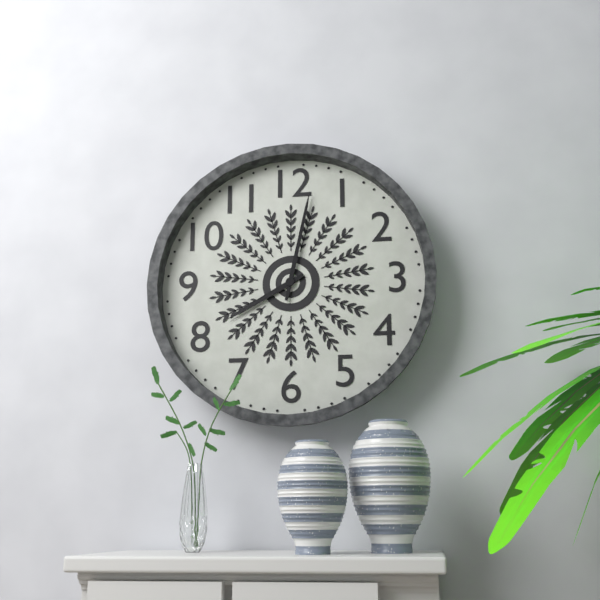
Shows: 8,02
